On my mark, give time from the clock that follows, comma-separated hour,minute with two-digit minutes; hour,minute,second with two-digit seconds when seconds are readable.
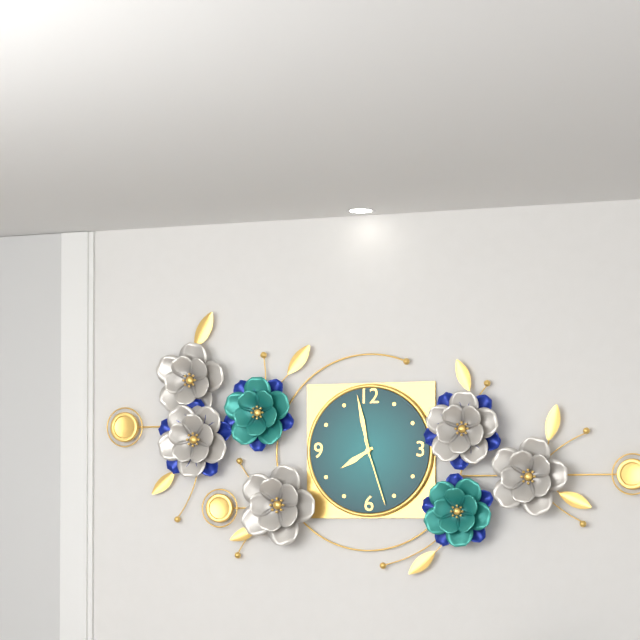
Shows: 7,58,27
